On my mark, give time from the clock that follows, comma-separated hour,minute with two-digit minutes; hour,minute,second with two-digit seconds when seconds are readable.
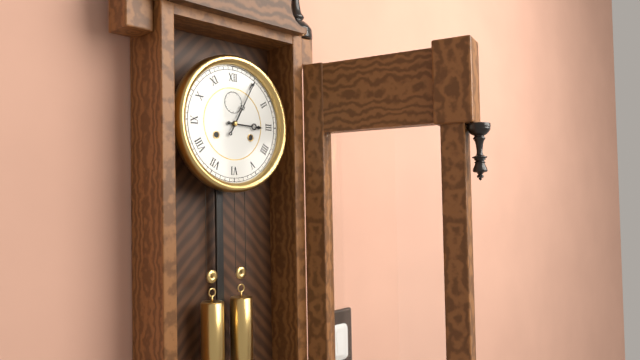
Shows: 3,05
